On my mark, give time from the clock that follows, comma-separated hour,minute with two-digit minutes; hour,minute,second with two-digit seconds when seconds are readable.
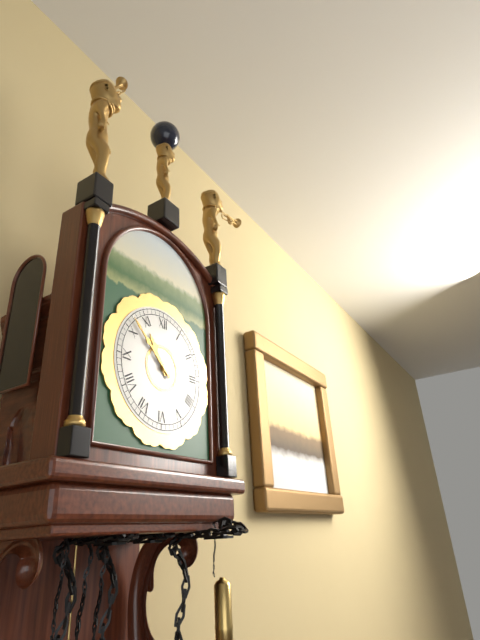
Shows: 10,52
